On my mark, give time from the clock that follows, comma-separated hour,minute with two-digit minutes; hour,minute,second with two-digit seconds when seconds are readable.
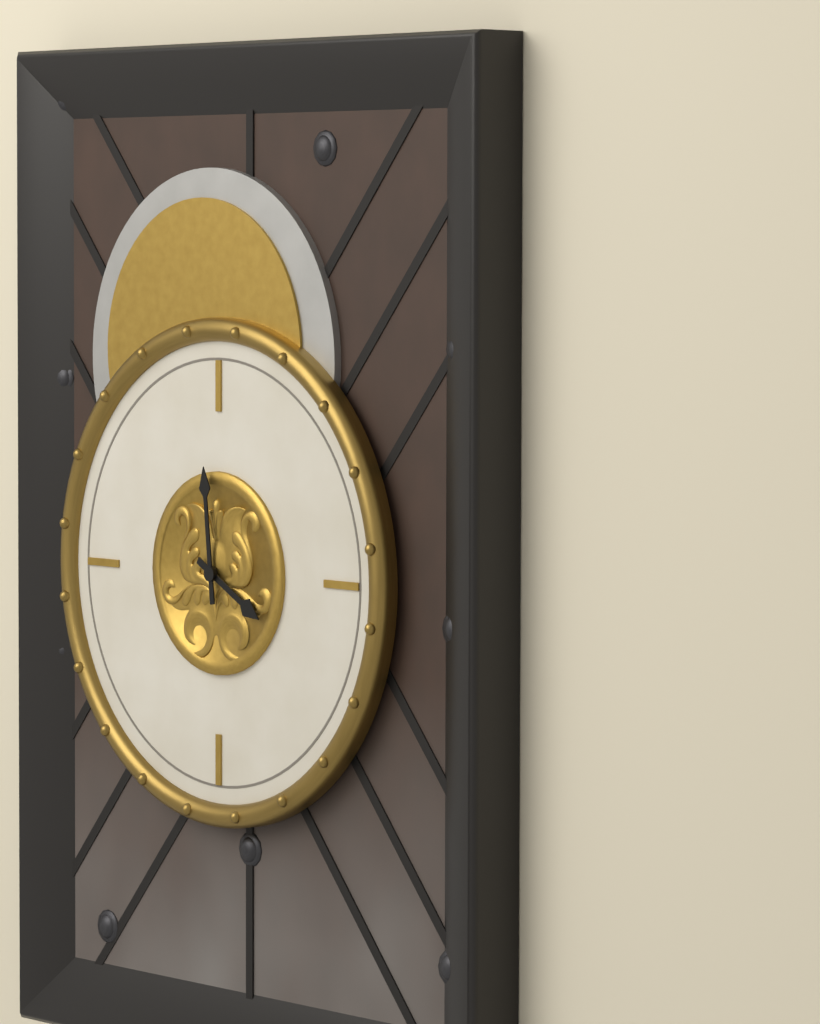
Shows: 3,59
